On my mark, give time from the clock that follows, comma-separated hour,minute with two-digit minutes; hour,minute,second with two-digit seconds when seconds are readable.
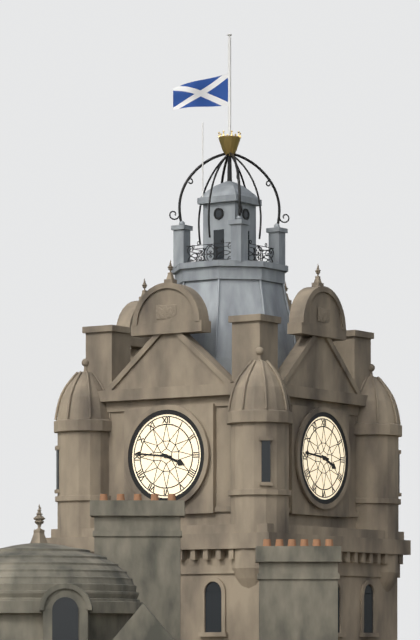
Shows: 3,46
